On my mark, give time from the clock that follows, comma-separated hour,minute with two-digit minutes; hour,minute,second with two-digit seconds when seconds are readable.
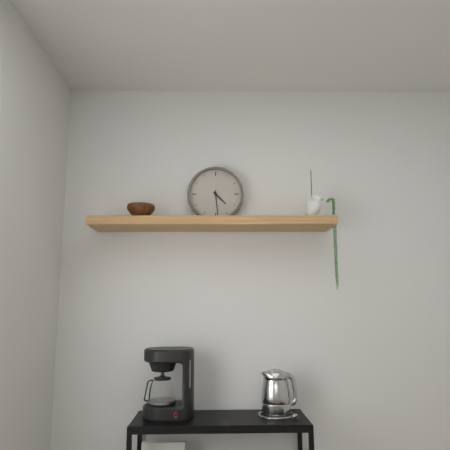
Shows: 4,29
